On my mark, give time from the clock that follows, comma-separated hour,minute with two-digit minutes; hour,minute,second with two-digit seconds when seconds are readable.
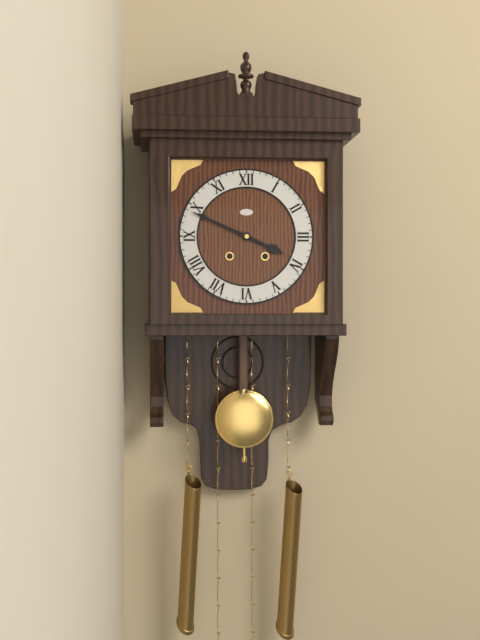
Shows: 3,49
